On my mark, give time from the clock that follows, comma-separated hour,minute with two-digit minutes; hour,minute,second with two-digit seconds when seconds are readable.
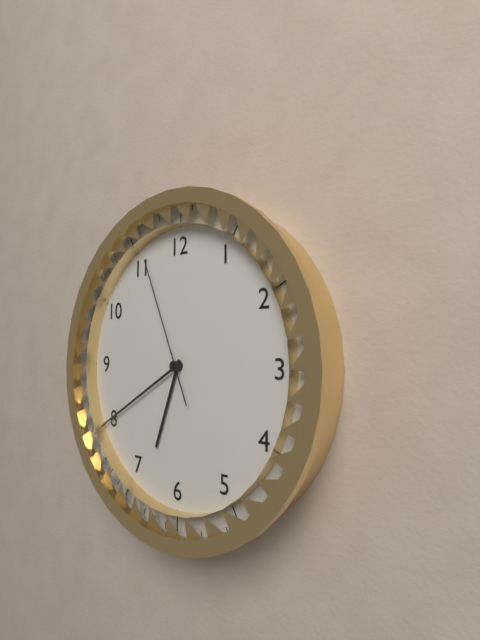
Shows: 6,40,56
